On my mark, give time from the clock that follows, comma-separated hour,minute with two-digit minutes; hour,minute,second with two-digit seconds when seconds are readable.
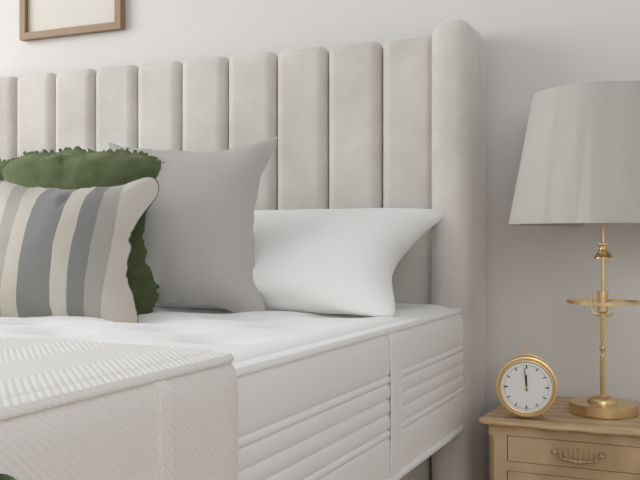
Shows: 11,59
